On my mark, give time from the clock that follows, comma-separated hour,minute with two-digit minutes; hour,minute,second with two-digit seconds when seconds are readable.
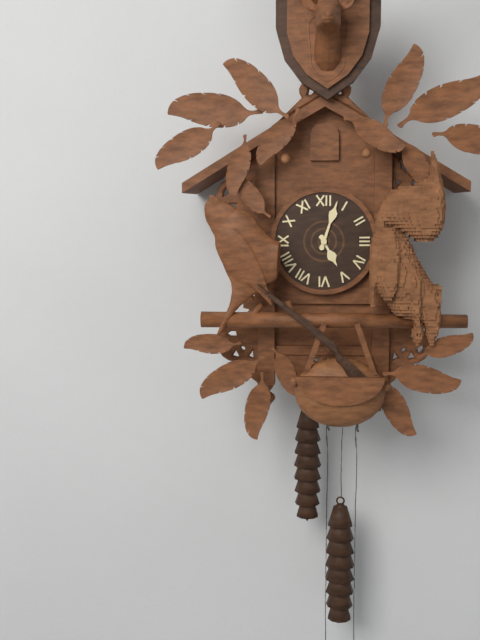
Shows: 5,03
